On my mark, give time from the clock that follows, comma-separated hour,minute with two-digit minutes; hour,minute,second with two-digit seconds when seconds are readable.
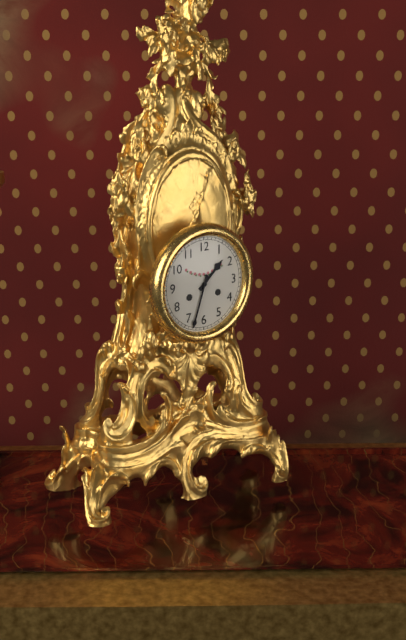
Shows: 1,33
